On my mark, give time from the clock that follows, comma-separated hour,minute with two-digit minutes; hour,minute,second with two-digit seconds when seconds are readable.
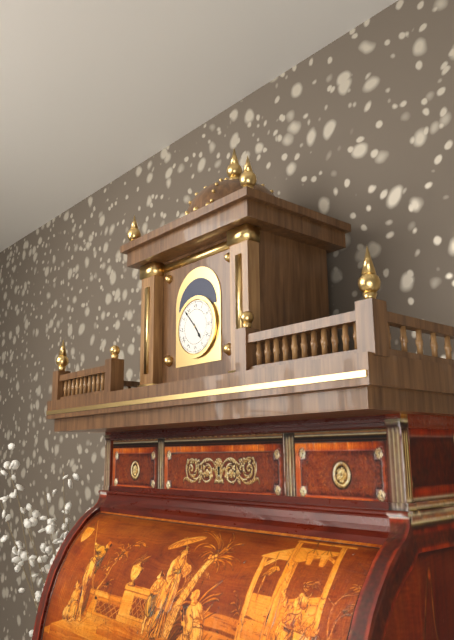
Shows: 4,53
